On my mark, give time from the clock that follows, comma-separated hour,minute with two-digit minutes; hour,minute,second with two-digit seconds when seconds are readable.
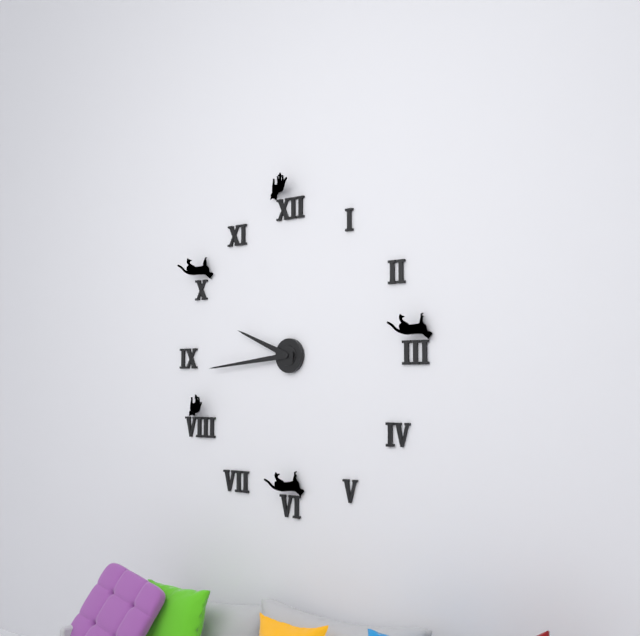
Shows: 9,44
